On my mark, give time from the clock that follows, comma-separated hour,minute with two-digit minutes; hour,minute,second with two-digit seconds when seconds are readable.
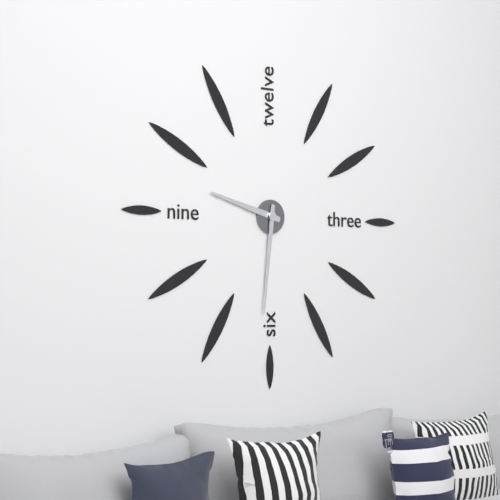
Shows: 9,31
